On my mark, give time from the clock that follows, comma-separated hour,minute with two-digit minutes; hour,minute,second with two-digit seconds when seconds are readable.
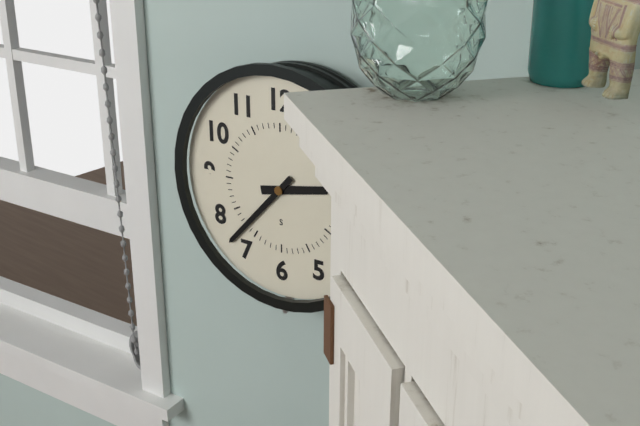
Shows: 2,37
